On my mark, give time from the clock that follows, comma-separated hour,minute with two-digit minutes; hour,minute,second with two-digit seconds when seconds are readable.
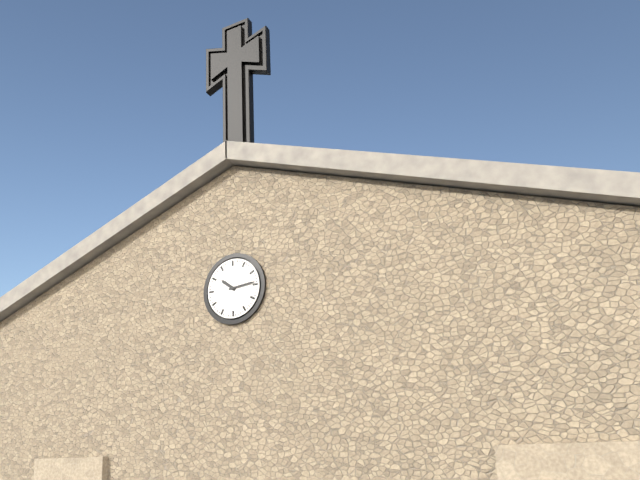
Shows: 10,14
